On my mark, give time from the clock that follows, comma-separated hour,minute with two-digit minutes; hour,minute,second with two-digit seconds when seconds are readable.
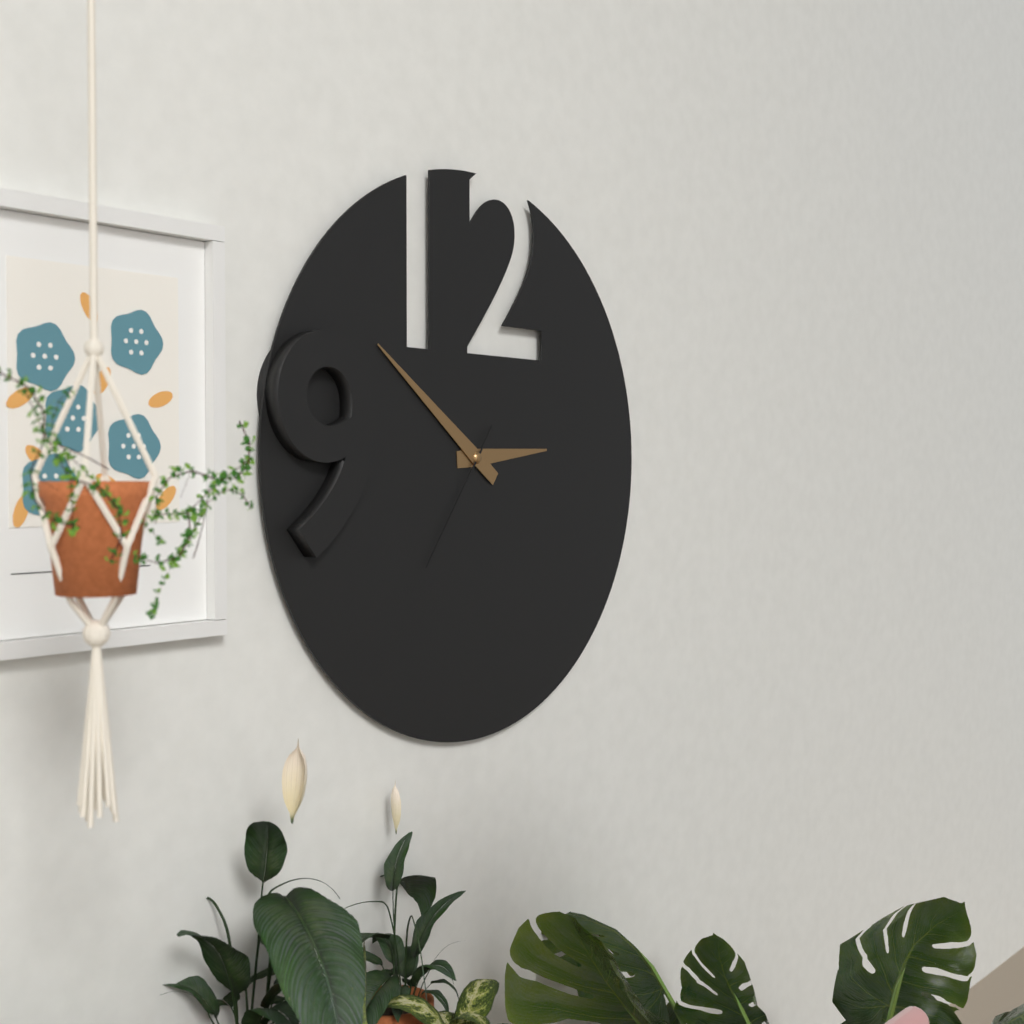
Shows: 2,51,36
